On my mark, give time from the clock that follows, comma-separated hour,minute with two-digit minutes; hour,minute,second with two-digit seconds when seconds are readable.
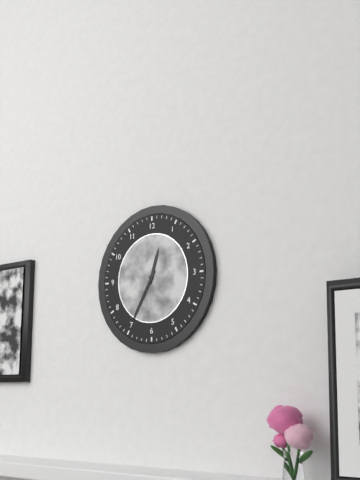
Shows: 12,35
